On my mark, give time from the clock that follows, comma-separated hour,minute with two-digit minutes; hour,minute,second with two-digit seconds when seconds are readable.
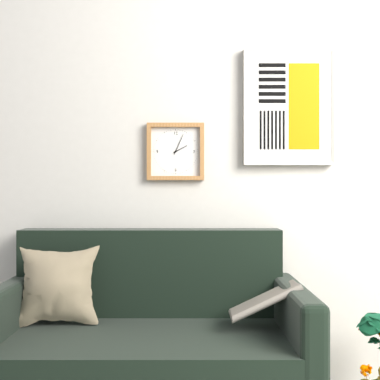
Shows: 2,04
